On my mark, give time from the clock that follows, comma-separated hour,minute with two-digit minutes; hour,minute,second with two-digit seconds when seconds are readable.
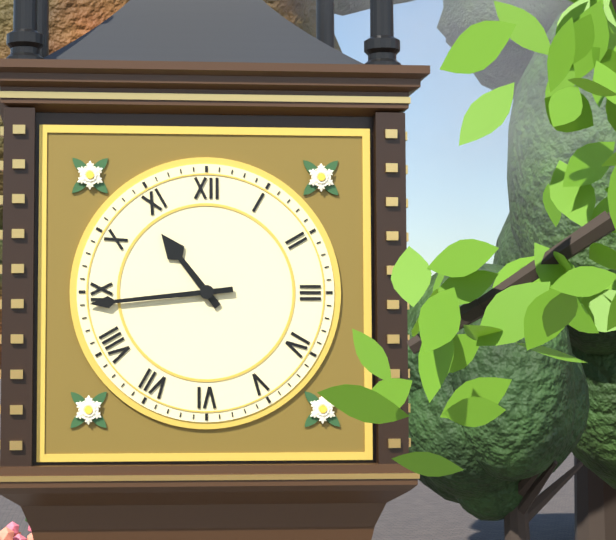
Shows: 10,44
